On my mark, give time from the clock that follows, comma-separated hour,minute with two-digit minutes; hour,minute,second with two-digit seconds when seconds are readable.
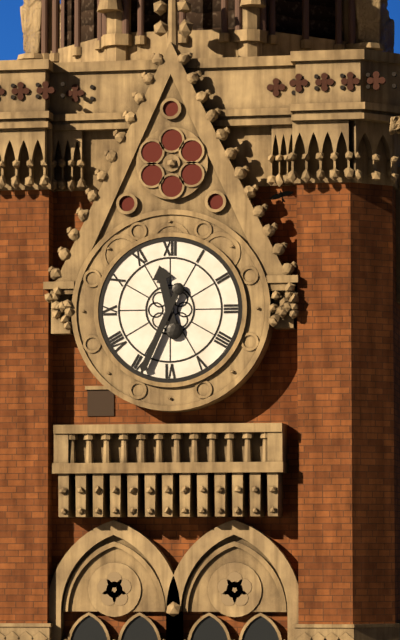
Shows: 11,34
